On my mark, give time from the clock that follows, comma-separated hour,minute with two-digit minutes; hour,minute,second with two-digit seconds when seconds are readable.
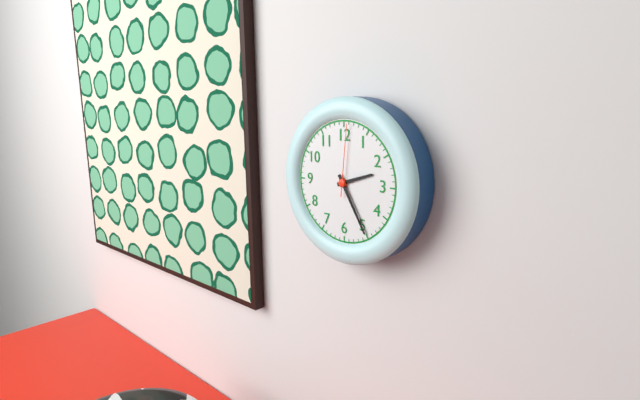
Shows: 2,25,01
